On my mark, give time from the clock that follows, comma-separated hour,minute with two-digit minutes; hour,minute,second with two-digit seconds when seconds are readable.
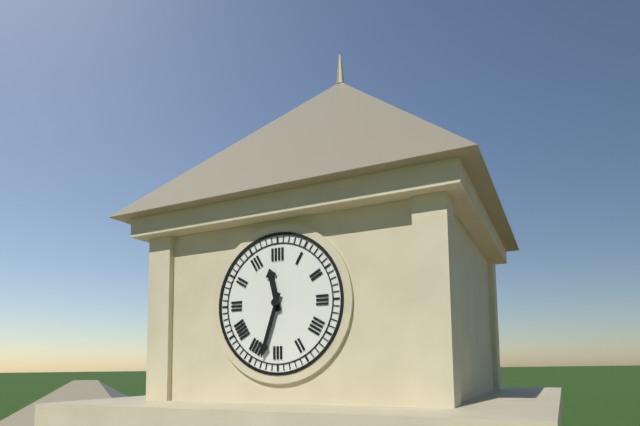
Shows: 11,33
